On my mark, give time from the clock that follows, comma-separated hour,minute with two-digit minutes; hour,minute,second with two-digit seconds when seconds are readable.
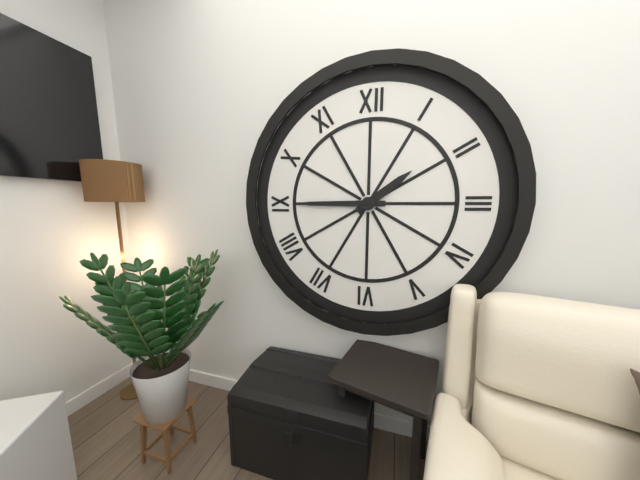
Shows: 1,45
